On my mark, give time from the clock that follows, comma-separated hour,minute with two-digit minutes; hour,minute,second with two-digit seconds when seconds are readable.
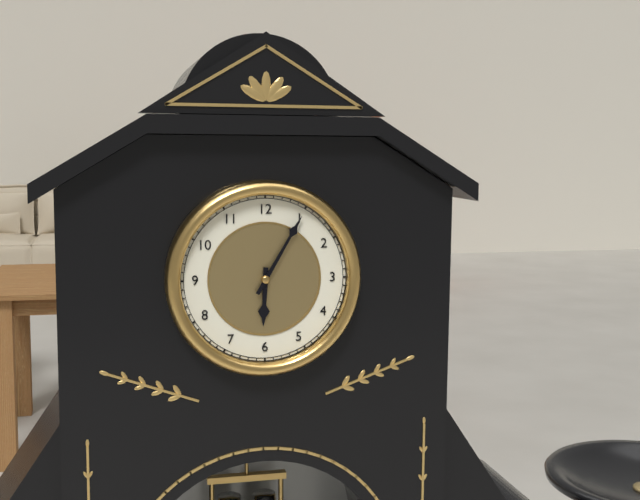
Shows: 6,05
